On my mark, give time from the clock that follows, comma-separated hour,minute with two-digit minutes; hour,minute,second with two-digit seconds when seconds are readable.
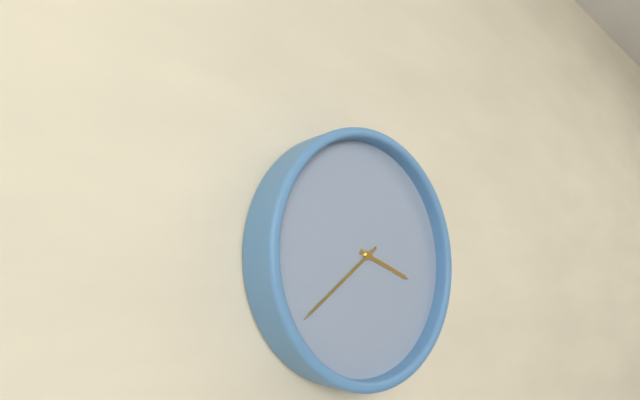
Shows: 3,39
